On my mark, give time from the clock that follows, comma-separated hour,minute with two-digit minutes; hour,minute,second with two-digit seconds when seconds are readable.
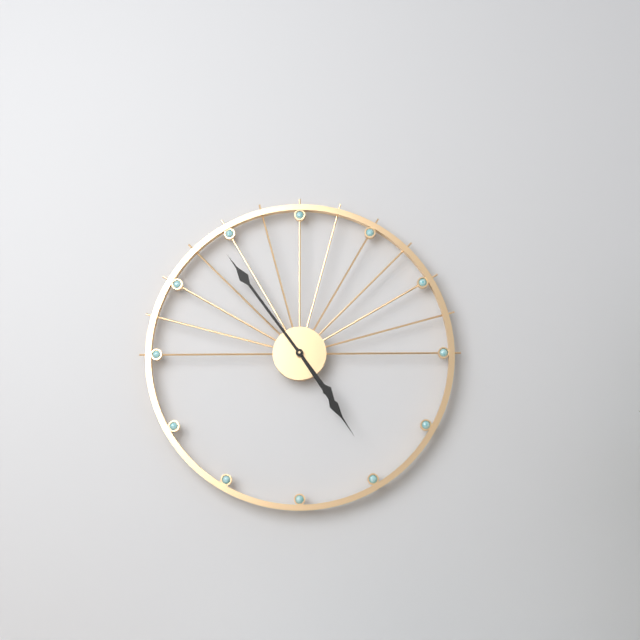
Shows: 4,54
